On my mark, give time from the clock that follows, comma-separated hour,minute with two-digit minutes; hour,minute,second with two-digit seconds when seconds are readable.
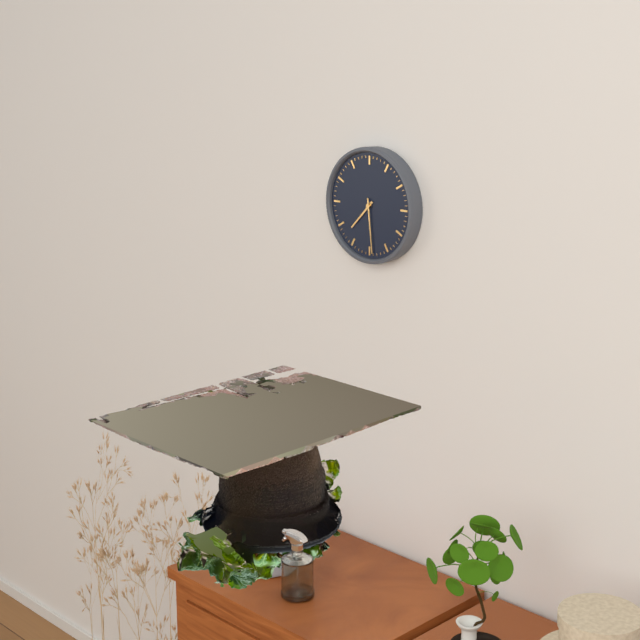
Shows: 7,29
